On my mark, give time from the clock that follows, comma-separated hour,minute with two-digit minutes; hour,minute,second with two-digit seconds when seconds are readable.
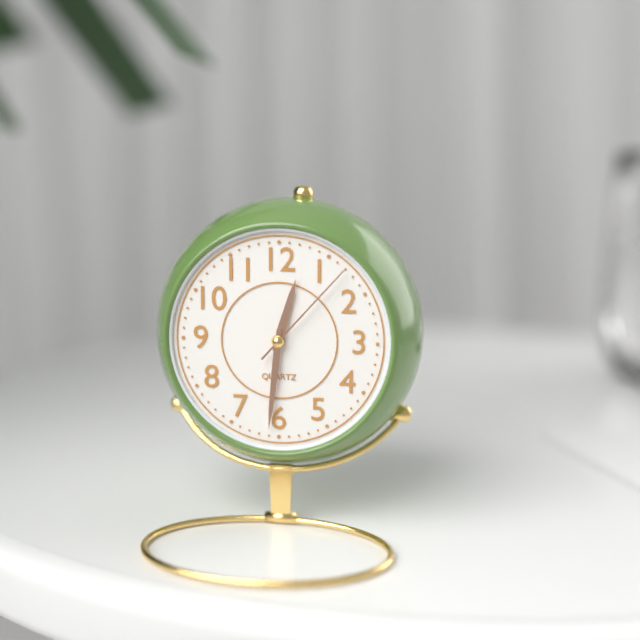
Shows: 12,31,07
